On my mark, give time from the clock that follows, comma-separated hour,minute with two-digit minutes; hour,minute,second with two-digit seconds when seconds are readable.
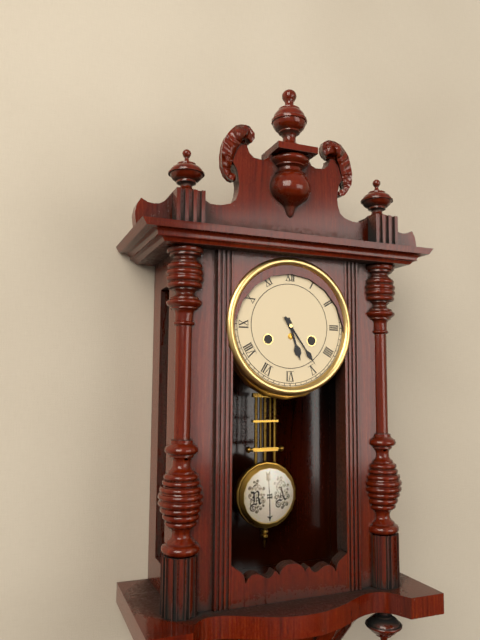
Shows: 5,24
